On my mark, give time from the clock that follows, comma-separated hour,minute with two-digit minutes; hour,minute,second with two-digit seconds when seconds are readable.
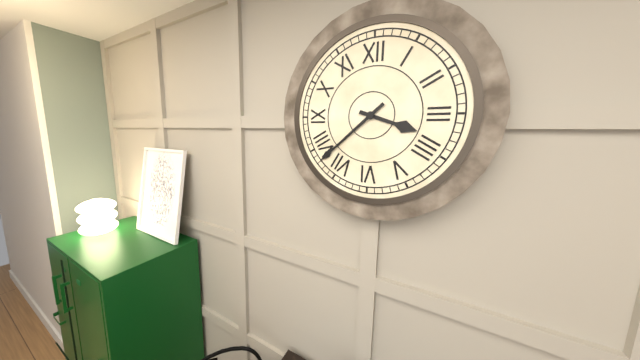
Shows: 3,38
